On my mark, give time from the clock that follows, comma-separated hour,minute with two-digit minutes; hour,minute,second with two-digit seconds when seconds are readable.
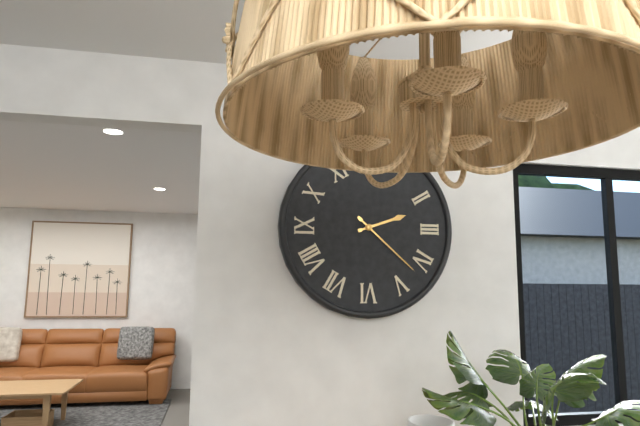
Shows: 2,22
